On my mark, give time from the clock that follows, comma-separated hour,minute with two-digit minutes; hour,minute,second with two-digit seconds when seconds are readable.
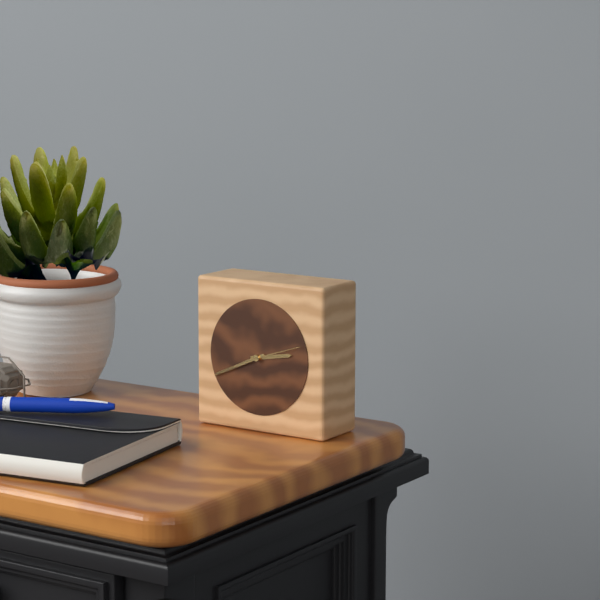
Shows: 2,41
